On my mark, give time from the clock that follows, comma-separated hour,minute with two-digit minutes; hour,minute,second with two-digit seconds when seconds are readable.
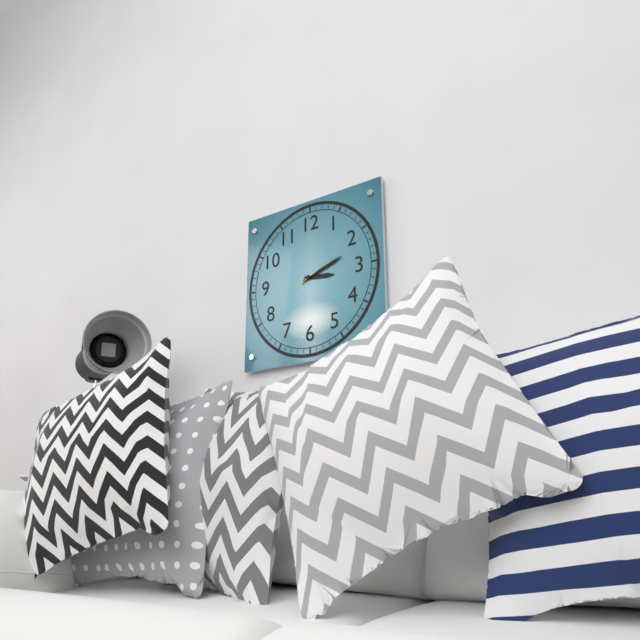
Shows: 3,12
